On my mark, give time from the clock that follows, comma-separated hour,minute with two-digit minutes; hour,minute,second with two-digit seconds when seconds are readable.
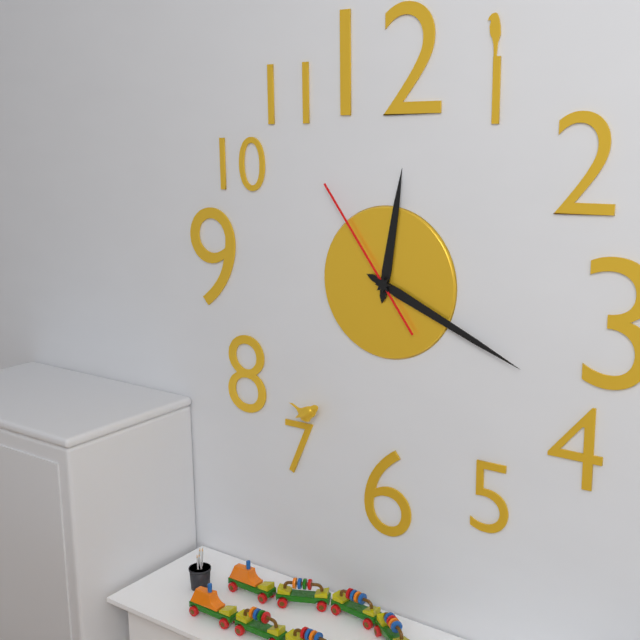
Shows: 12,19,54
